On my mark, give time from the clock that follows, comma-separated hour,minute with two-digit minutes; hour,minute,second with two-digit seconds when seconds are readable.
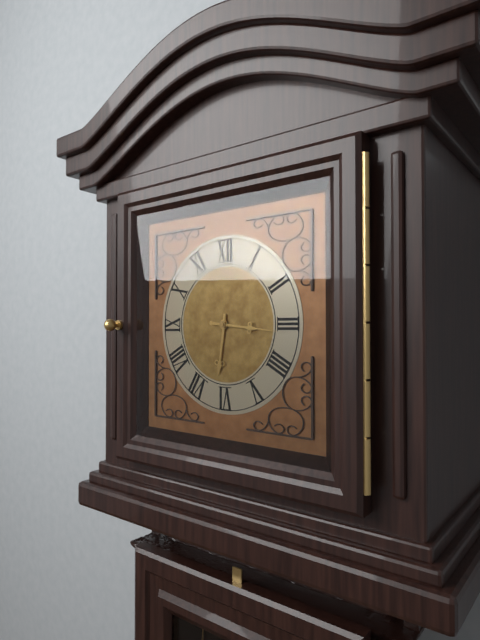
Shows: 6,16
